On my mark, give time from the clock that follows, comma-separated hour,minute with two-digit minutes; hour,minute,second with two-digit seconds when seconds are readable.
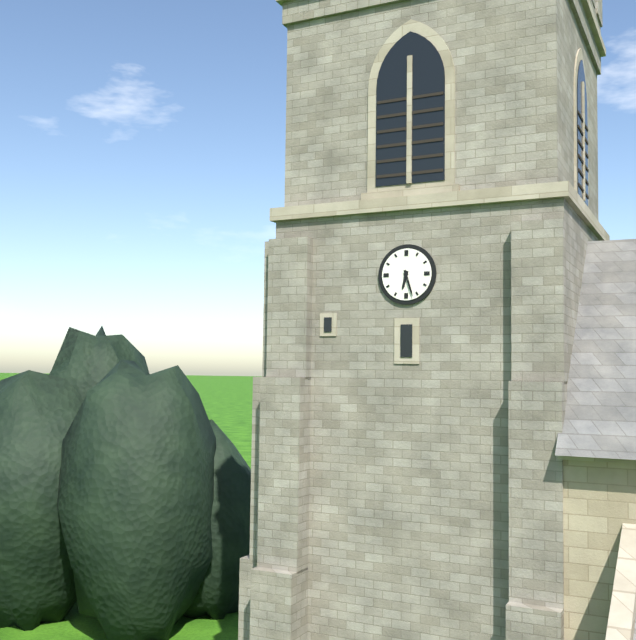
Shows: 6,27
